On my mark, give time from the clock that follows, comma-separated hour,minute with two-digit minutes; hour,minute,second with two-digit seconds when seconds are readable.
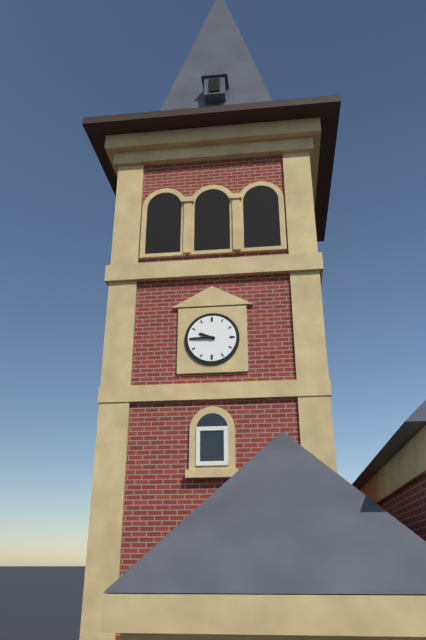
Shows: 9,45
